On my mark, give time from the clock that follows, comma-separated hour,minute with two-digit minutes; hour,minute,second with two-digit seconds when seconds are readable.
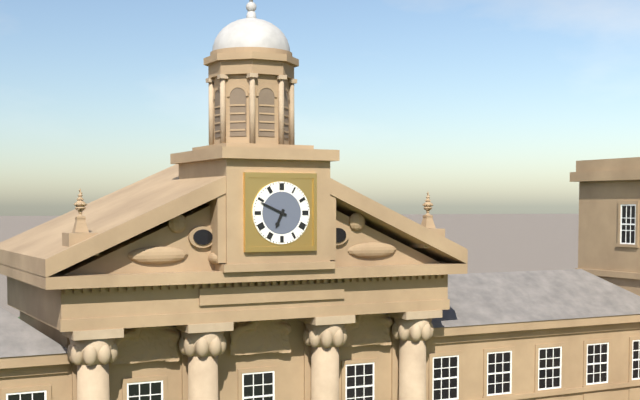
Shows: 6,49
